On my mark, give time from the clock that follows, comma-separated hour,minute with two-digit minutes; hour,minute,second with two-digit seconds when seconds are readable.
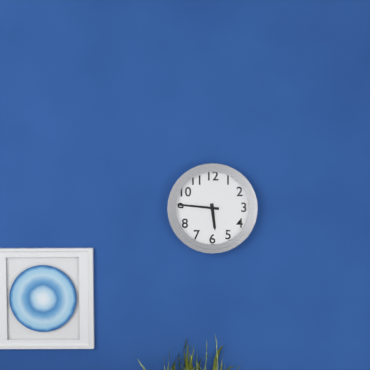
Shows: 5,46
